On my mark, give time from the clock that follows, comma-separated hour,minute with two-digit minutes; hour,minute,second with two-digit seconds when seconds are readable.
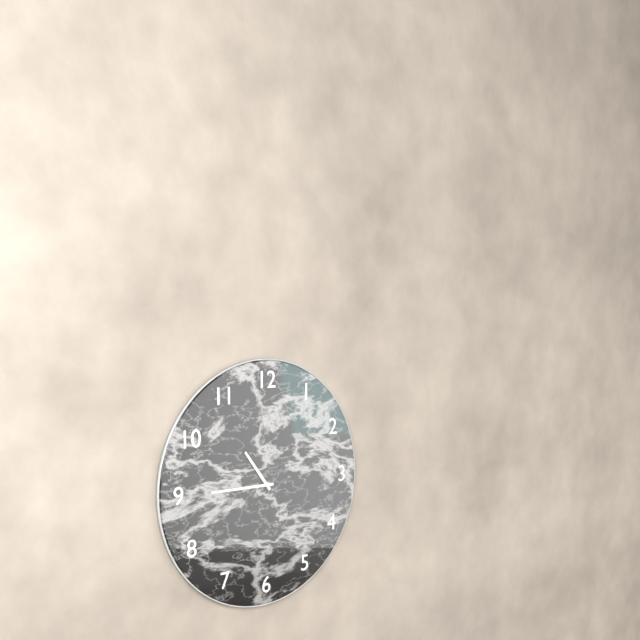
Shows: 10,45
